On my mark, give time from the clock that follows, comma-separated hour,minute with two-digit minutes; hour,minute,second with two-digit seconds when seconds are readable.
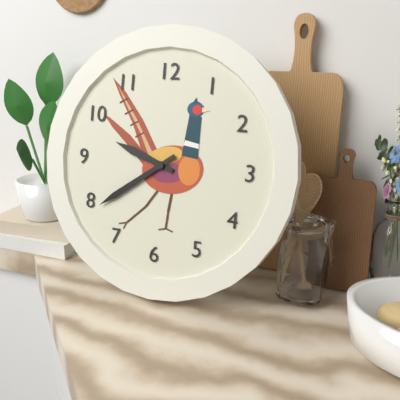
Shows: 9,39
